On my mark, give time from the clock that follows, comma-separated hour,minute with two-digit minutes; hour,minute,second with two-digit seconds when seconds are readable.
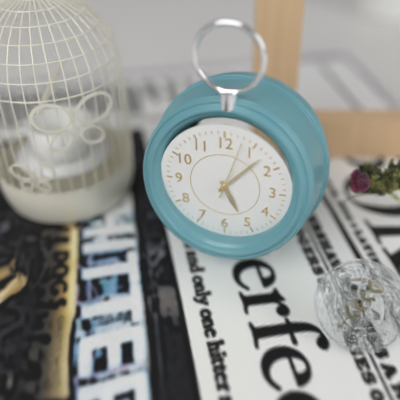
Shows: 5,07,03
